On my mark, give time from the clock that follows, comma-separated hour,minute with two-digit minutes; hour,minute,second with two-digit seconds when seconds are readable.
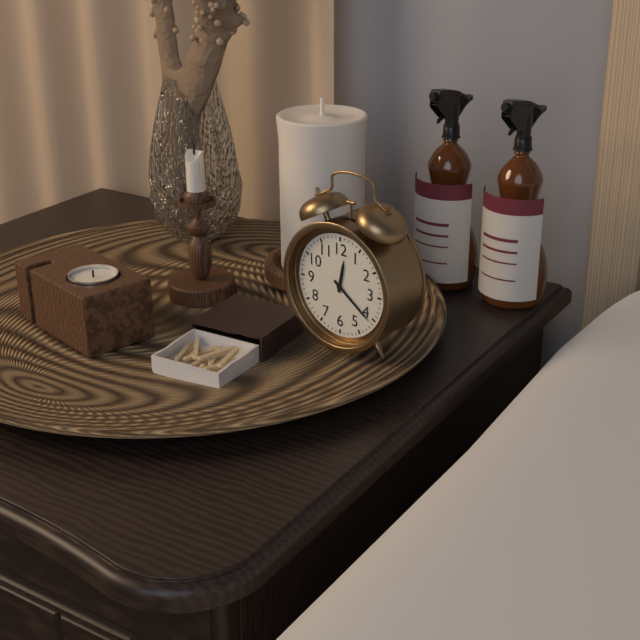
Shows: 12,21
